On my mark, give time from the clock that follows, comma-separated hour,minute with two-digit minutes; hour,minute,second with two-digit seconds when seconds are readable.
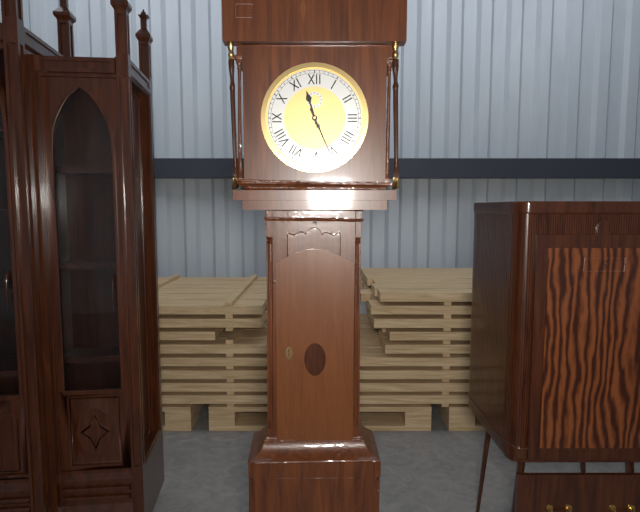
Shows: 11,26
